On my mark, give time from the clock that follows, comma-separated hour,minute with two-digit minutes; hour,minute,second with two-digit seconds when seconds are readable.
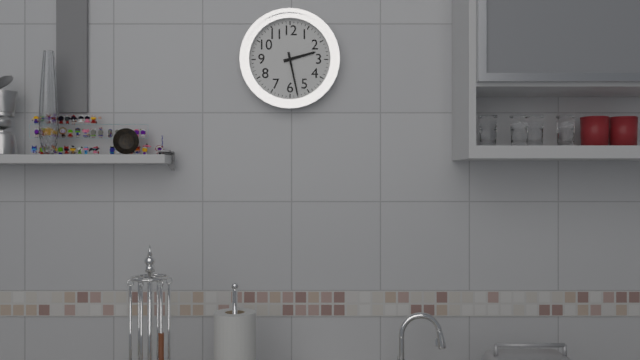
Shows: 2,28
